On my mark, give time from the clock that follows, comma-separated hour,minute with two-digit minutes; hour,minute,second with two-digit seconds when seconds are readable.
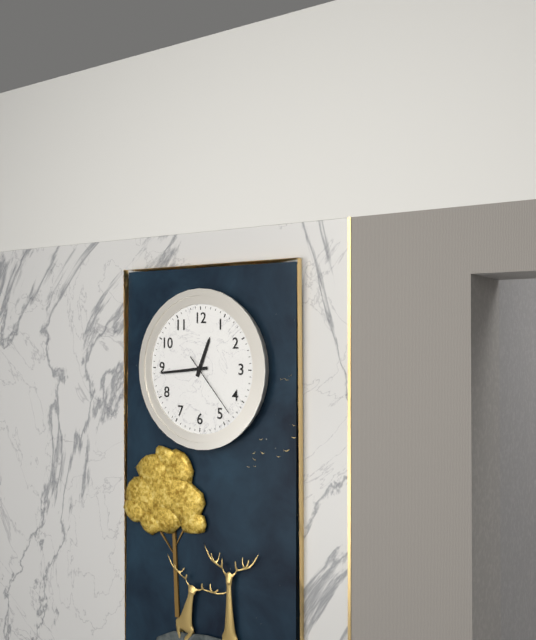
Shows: 12,44,23
